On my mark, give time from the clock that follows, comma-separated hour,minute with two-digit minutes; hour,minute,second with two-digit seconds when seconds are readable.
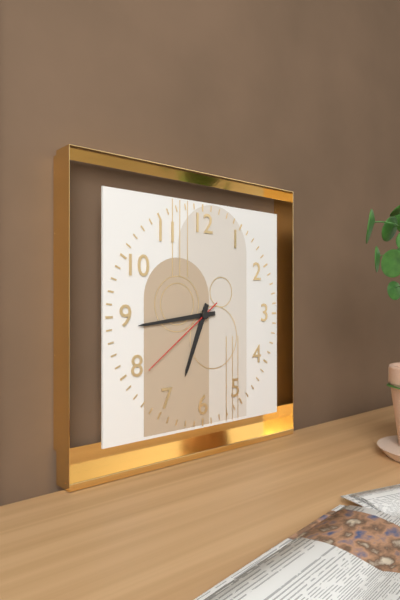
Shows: 6,44,39
